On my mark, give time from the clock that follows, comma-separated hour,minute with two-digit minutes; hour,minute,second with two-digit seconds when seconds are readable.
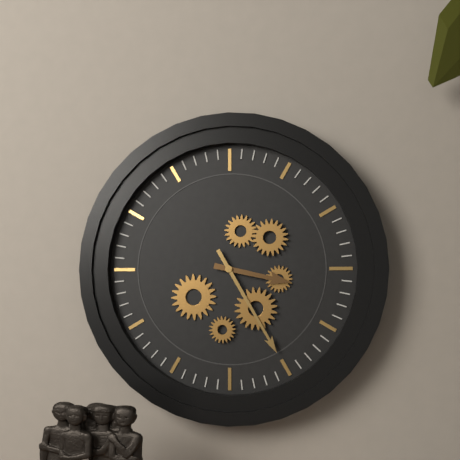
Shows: 3,25
